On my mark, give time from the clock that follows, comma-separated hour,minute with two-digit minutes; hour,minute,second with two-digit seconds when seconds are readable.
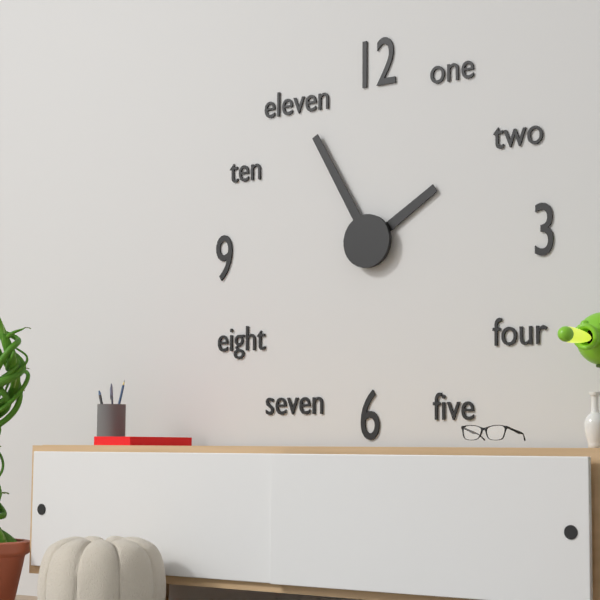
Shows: 1,55
